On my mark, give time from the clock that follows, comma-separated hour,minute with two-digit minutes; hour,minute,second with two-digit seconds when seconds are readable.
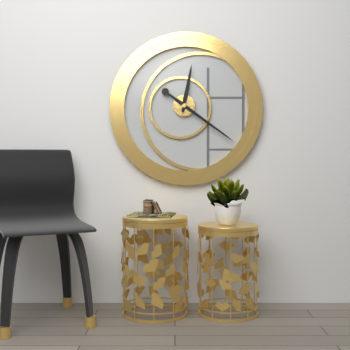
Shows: 12,21
